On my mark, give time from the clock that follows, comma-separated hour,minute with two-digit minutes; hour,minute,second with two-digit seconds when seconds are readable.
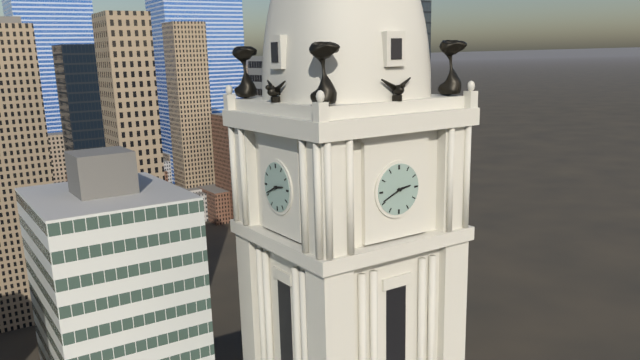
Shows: 2,41
